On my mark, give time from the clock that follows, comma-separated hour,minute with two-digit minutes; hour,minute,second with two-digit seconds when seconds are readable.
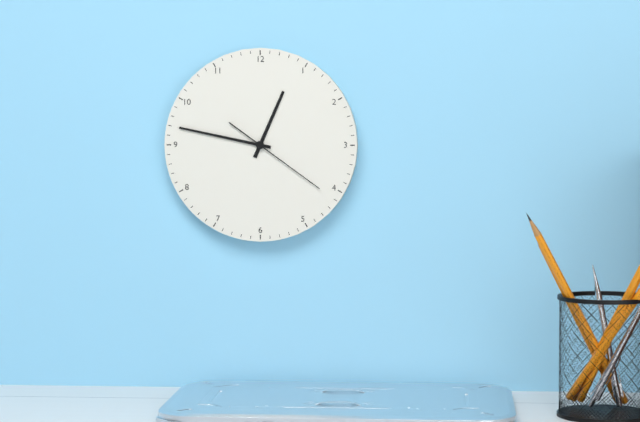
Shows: 12,47,21
